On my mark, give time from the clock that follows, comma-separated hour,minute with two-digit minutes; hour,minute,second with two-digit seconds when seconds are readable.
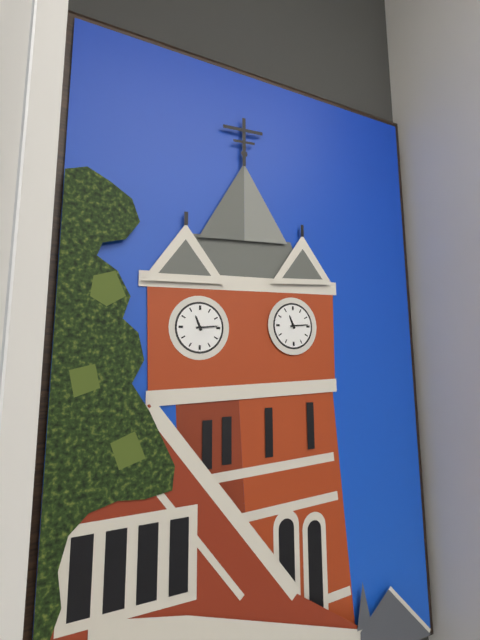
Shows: 11,14
